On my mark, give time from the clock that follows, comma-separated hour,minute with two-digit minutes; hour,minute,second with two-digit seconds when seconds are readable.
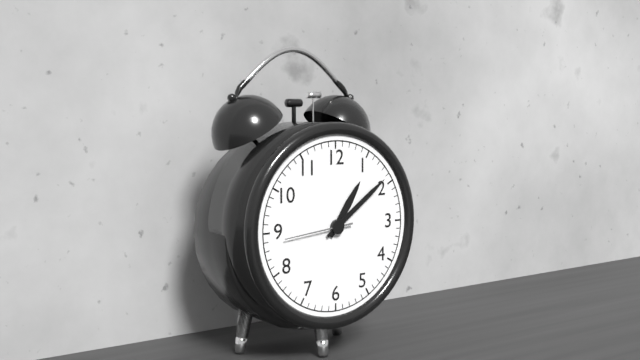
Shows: 1,09,44
